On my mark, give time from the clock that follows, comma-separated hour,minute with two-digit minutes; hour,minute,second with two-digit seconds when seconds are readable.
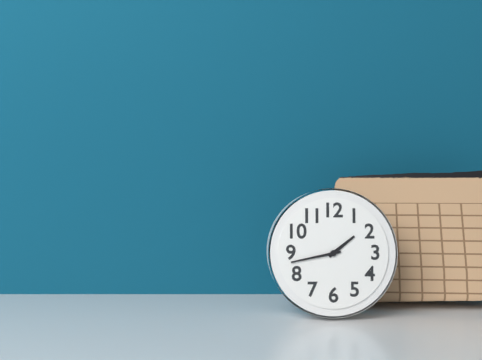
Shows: 1,43
